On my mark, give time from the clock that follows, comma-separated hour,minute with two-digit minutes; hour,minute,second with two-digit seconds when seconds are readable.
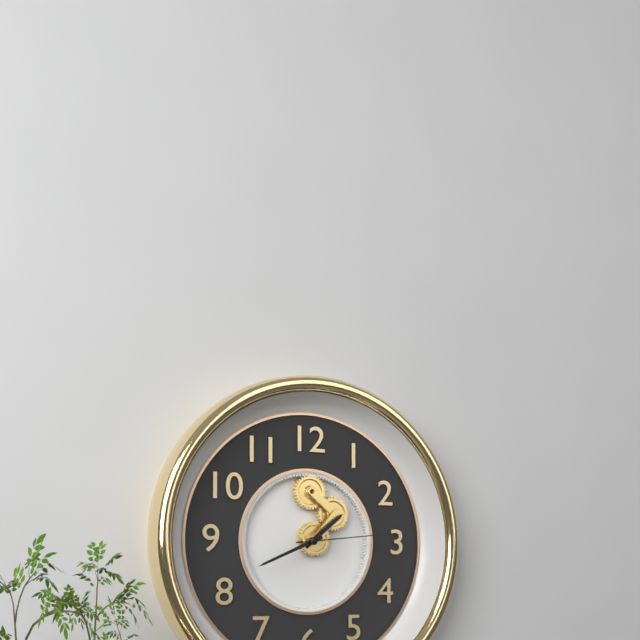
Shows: 1,41,14
